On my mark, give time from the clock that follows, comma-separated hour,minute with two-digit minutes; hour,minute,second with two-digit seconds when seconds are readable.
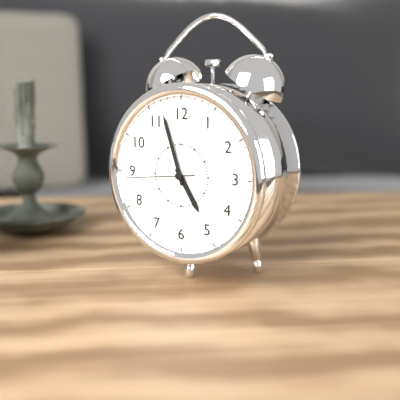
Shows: 4,57,44
